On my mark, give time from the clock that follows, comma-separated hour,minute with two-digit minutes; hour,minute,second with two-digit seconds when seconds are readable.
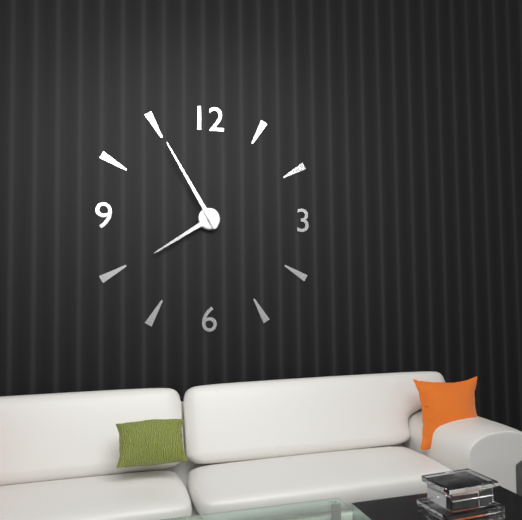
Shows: 7,55
